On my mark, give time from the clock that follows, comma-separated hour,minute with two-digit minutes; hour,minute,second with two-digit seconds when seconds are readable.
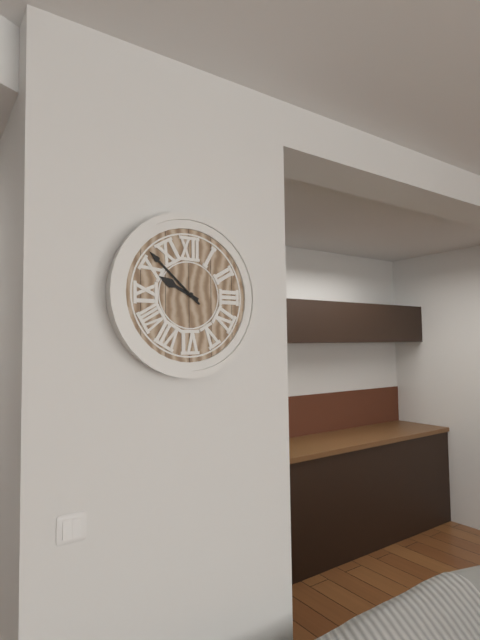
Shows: 9,52
